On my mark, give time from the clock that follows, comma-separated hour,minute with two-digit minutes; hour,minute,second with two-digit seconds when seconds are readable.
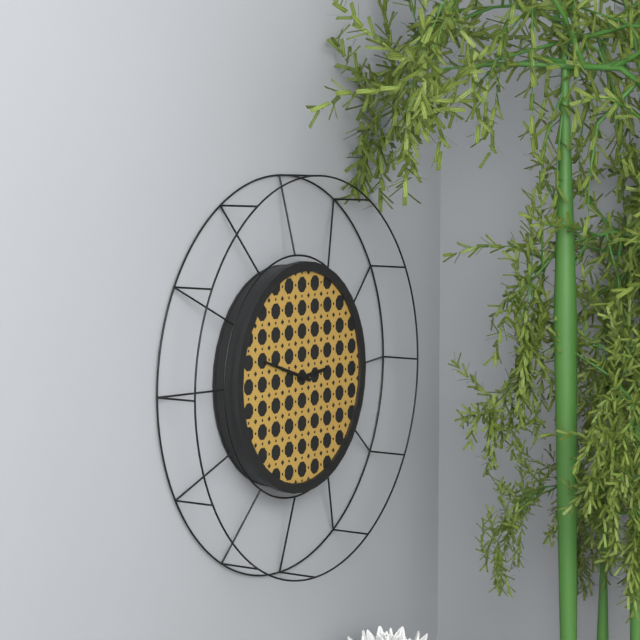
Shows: 2,48
